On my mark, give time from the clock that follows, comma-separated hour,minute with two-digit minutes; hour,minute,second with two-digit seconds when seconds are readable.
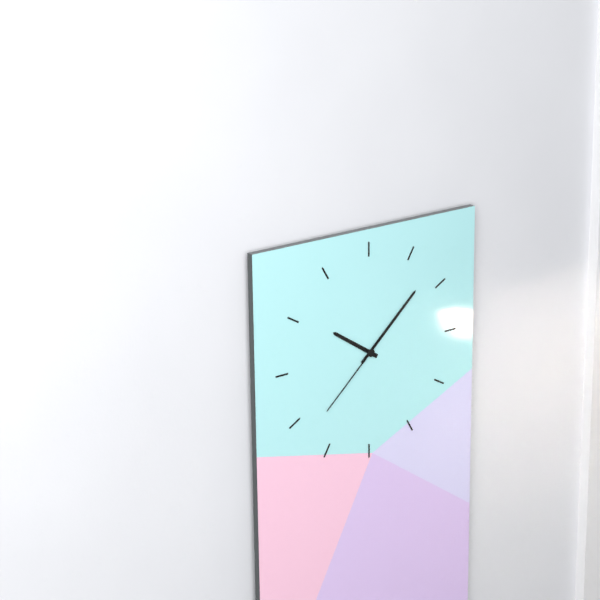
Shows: 10,08,38
